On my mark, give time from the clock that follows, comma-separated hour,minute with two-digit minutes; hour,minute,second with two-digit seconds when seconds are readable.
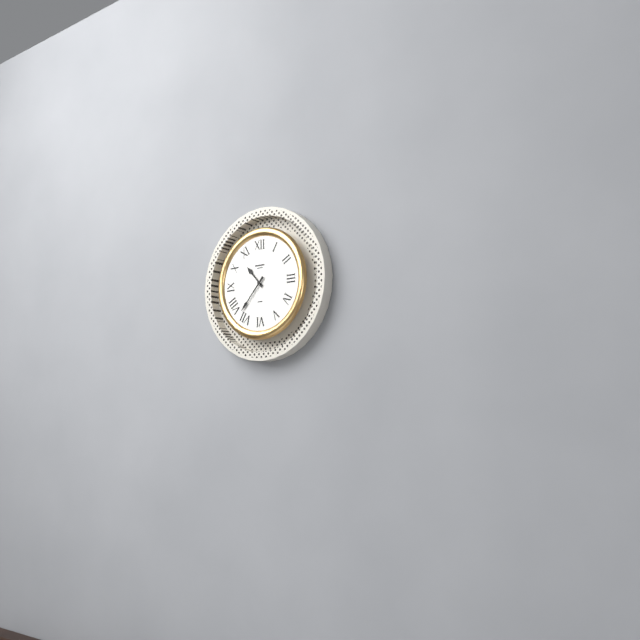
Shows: 10,37
